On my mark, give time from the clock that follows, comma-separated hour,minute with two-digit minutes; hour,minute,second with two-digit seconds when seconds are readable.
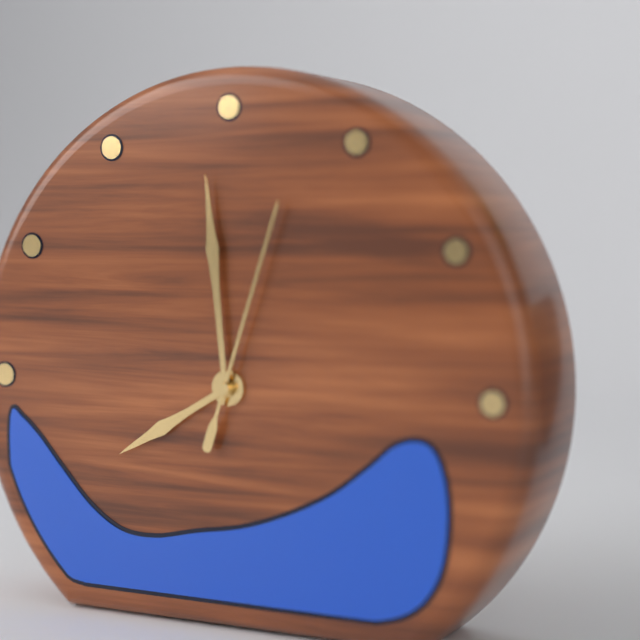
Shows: 7,59,03
